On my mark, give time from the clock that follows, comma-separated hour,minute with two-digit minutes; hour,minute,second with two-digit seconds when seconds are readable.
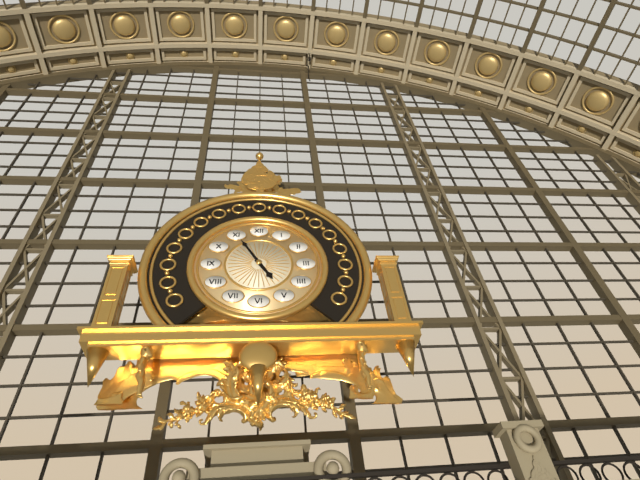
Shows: 4,55
